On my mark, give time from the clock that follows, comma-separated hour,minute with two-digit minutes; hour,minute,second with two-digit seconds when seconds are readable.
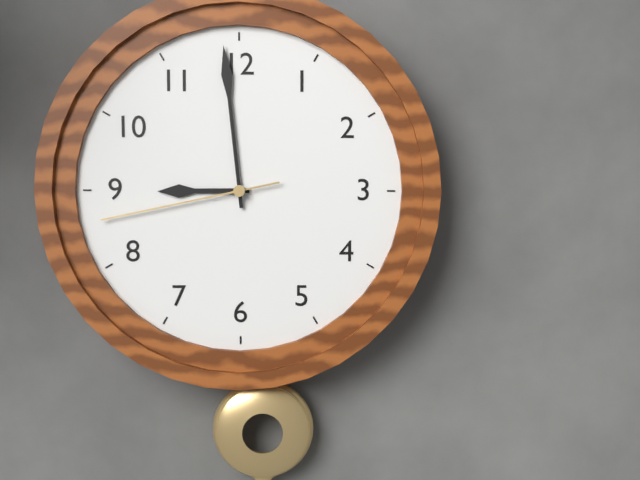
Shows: 8,59,43
